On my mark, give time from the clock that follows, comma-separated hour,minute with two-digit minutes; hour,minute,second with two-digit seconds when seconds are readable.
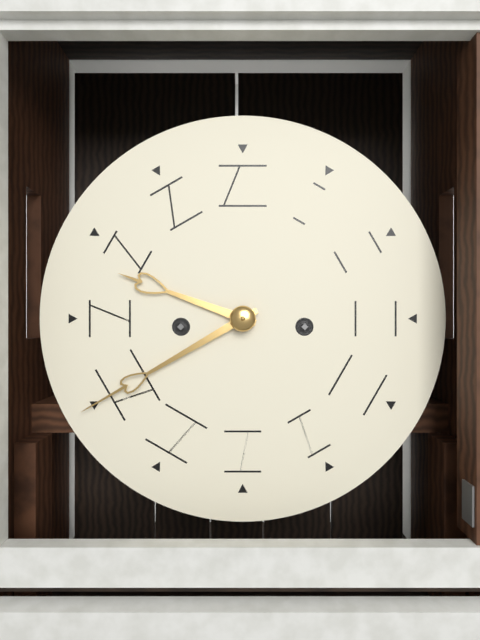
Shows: 9,40
